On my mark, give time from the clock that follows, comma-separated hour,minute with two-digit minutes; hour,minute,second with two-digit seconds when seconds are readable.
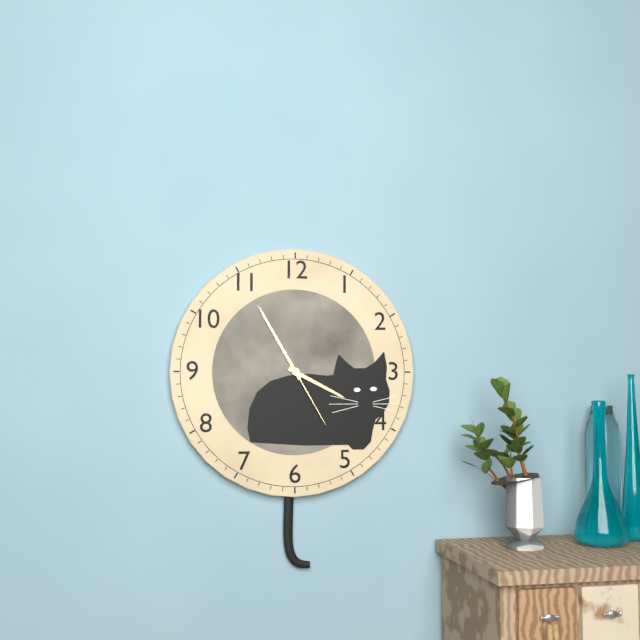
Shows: 3,55,25
